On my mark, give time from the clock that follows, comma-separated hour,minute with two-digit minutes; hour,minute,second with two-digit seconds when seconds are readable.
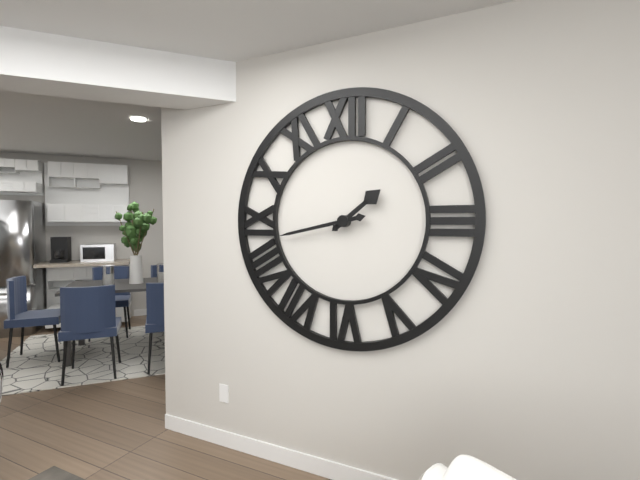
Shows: 1,43
